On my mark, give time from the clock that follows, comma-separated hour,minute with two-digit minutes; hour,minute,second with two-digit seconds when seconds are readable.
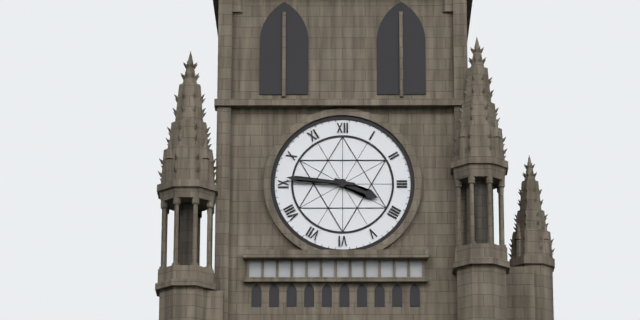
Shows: 3,46
